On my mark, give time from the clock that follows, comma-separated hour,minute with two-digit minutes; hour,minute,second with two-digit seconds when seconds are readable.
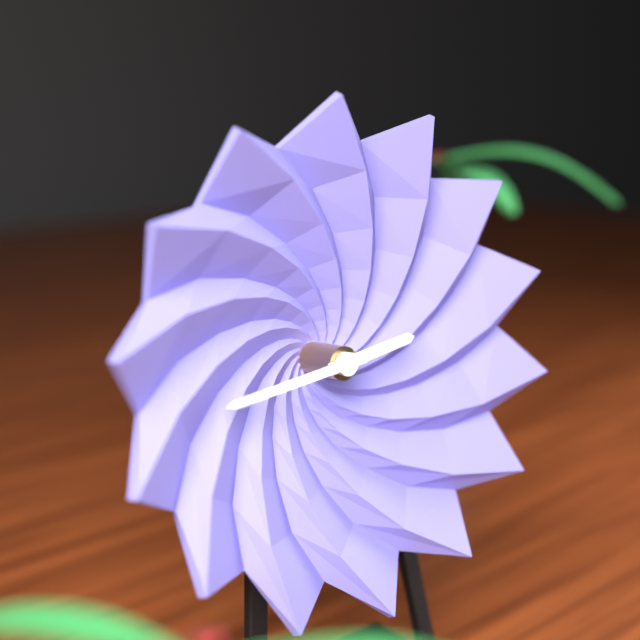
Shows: 2,44
